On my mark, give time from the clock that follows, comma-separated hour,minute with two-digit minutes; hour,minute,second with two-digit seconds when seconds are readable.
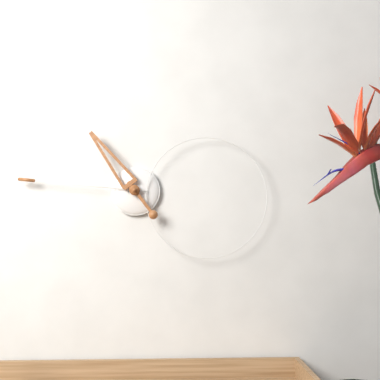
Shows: 10,46
